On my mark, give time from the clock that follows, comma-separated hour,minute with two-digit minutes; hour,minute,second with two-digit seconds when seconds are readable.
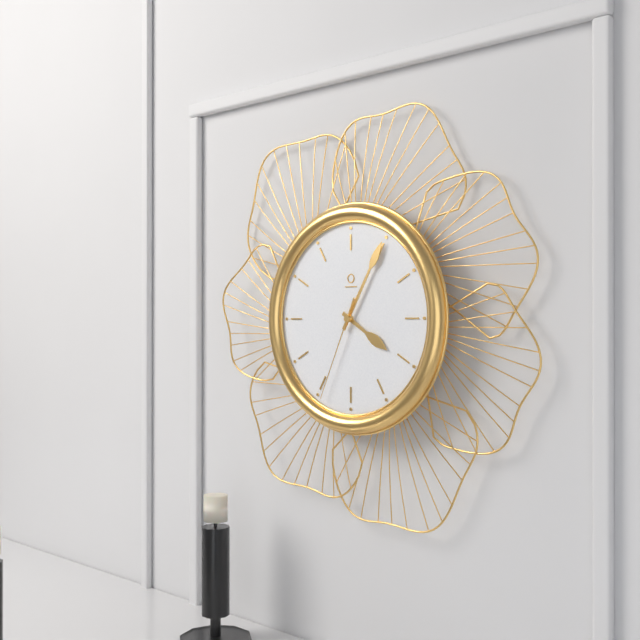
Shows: 4,05,34
